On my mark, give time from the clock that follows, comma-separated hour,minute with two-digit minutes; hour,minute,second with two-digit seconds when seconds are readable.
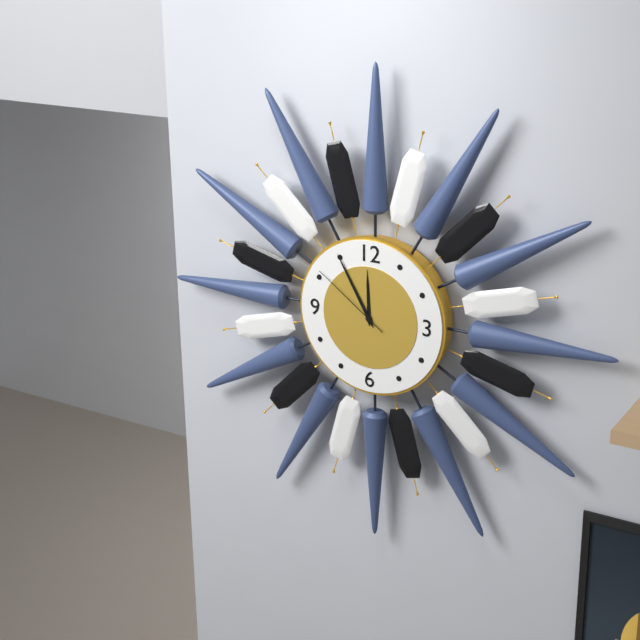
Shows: 11,55,51
